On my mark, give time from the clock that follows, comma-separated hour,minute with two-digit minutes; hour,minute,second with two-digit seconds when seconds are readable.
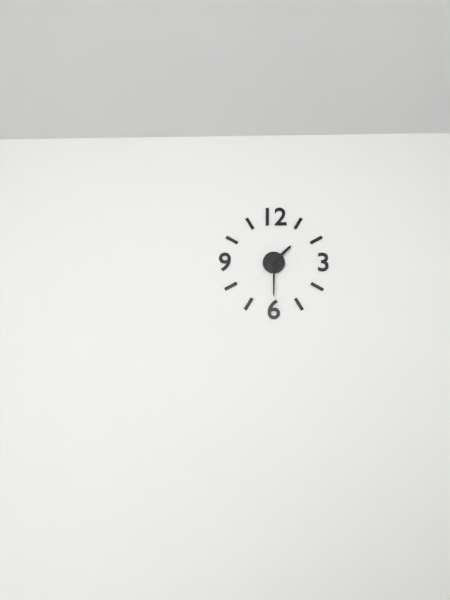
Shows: 1,30
